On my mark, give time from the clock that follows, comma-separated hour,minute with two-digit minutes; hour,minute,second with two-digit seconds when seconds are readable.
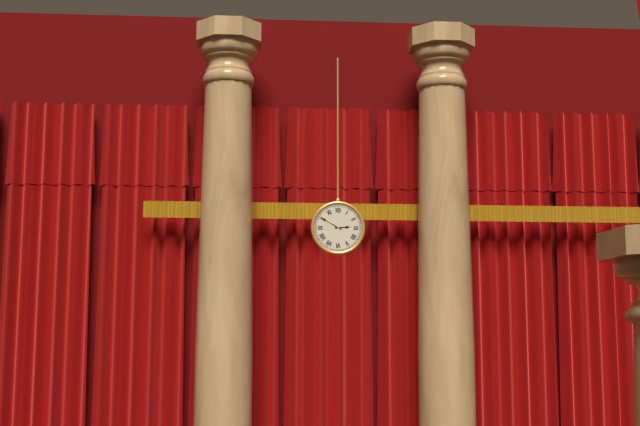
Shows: 2,50
